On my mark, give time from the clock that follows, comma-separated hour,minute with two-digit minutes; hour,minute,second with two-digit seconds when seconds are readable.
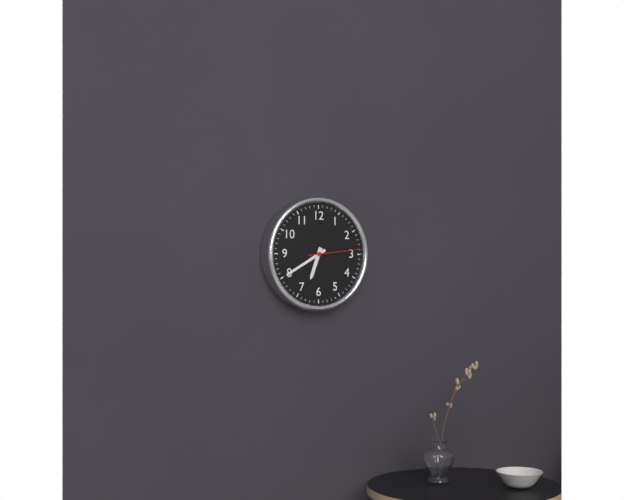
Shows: 6,40
